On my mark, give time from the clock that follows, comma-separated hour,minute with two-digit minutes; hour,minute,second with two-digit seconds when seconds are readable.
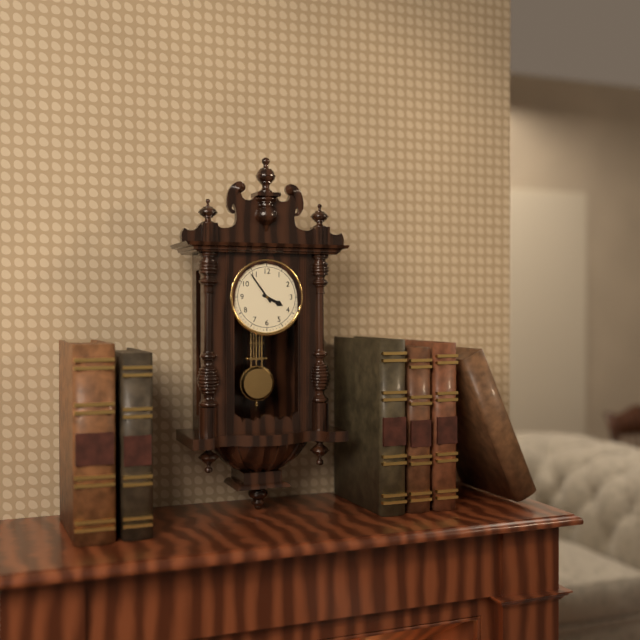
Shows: 3,54
